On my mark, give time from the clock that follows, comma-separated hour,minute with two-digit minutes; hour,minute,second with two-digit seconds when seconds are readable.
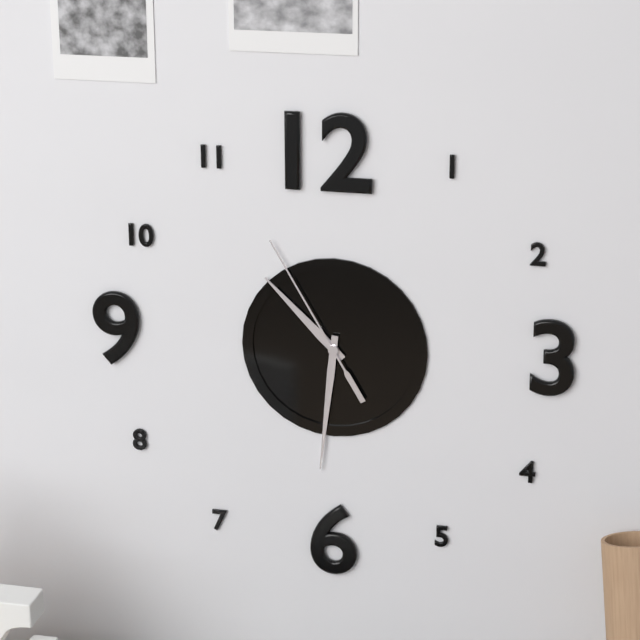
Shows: 10,31,55
